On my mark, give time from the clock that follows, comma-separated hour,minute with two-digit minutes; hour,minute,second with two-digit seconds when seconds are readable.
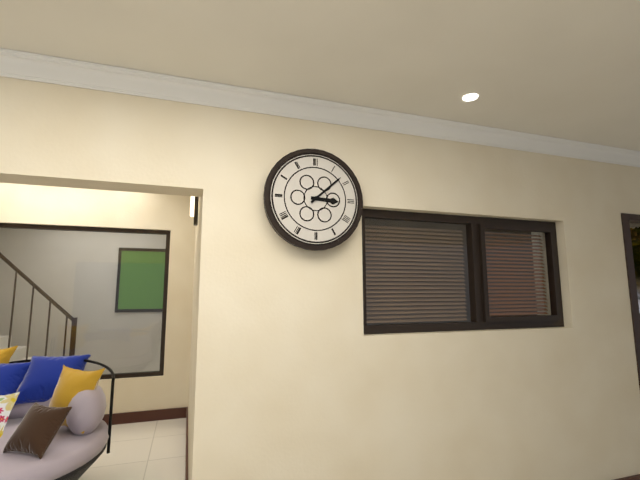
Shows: 3,08
